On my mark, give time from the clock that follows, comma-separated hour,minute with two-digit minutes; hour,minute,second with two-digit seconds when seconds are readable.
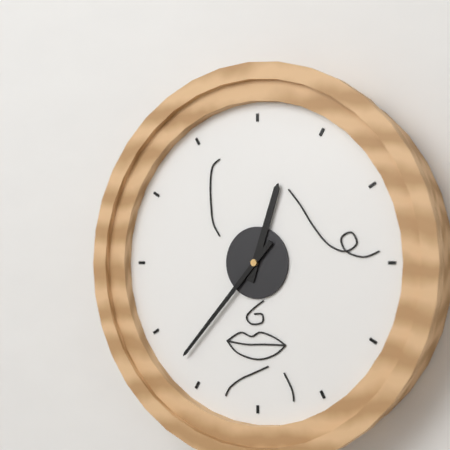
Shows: 12,37
